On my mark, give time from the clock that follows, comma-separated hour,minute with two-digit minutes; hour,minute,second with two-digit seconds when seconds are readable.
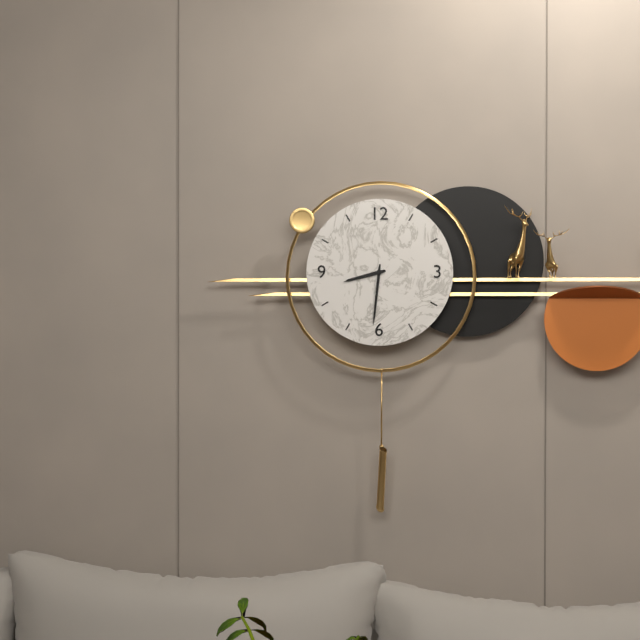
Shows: 8,31
